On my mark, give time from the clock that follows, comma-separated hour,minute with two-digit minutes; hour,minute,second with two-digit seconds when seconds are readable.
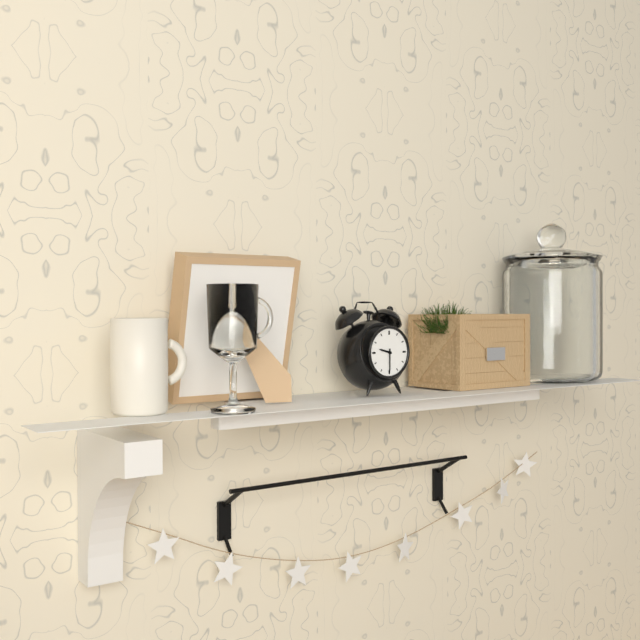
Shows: 9,30
